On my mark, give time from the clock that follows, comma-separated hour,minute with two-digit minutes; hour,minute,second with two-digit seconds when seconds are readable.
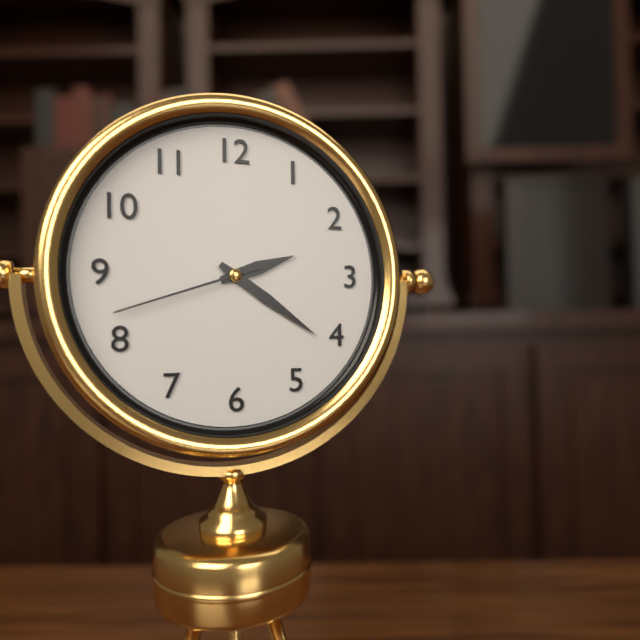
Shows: 2,21,42
